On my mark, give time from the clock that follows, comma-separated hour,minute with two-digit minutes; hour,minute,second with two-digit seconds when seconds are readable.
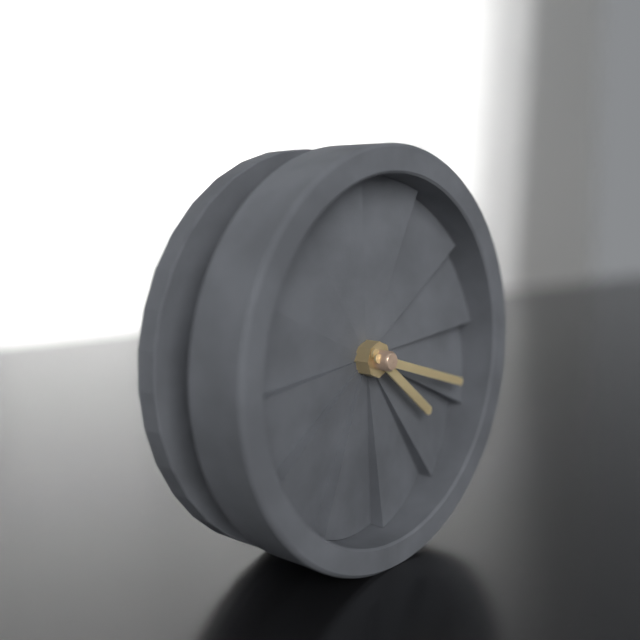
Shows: 4,18
